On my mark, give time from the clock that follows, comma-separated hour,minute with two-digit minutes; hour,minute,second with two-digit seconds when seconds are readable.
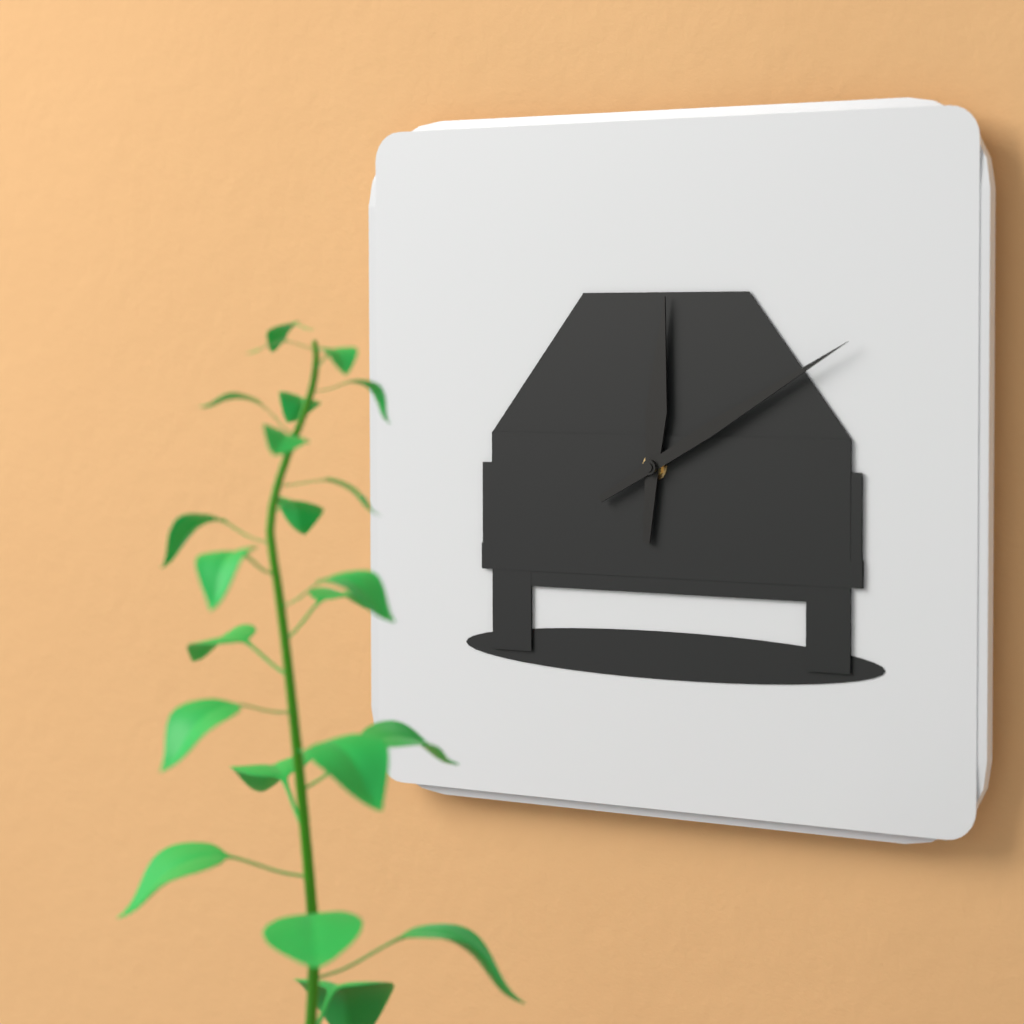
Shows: 12,10
